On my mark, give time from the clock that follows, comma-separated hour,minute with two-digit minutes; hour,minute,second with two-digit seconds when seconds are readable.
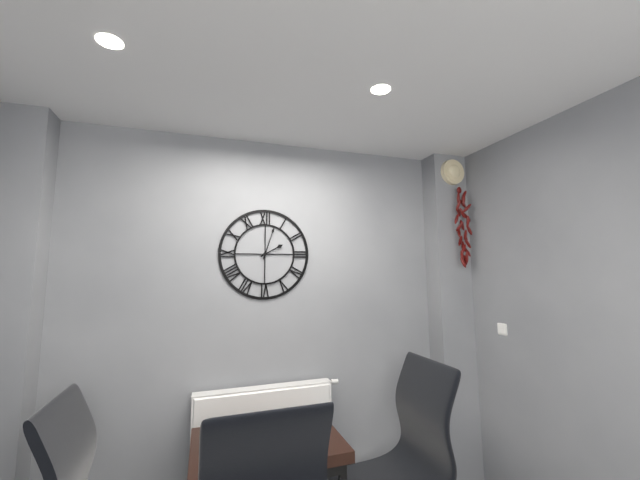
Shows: 2,03
